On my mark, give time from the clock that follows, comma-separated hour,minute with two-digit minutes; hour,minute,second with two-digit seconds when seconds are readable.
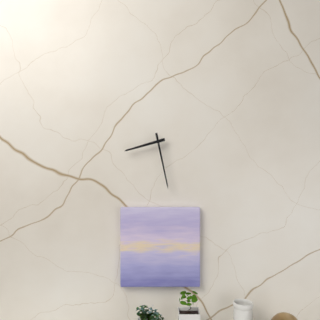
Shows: 8,28
